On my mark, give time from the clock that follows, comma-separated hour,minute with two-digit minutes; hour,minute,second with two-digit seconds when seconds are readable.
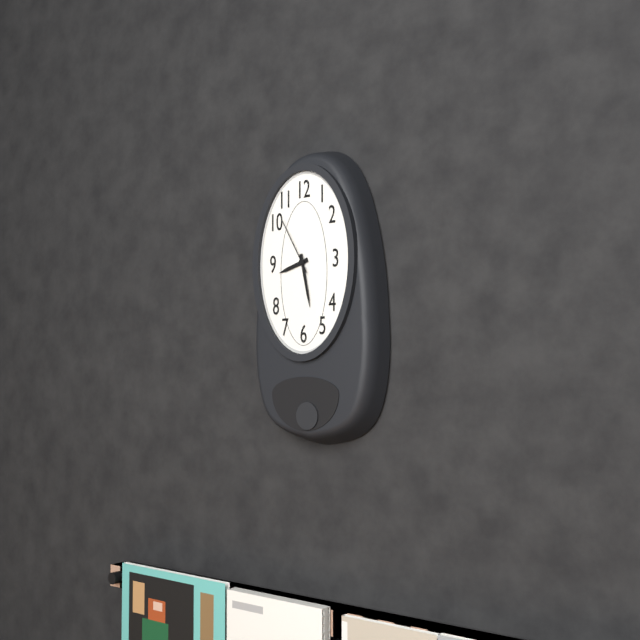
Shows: 8,28,55
